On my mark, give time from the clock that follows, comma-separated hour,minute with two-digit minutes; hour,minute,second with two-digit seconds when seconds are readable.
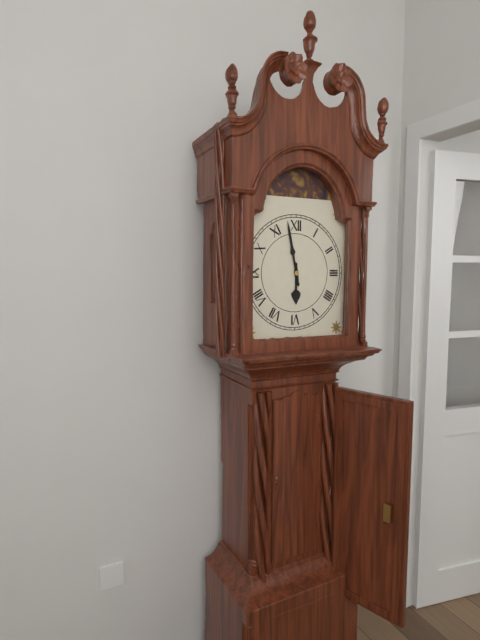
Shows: 5,58
